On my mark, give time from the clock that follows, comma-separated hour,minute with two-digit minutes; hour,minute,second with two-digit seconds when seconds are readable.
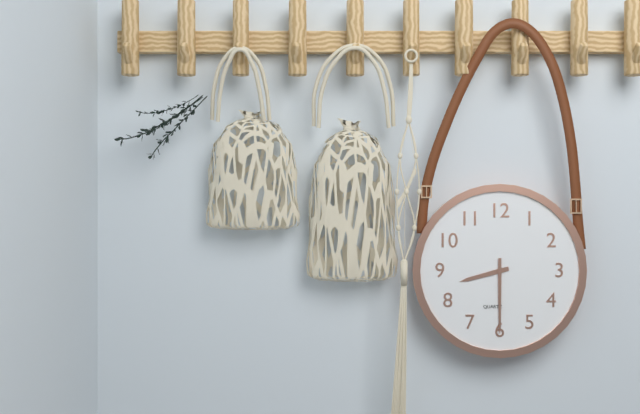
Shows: 8,30
